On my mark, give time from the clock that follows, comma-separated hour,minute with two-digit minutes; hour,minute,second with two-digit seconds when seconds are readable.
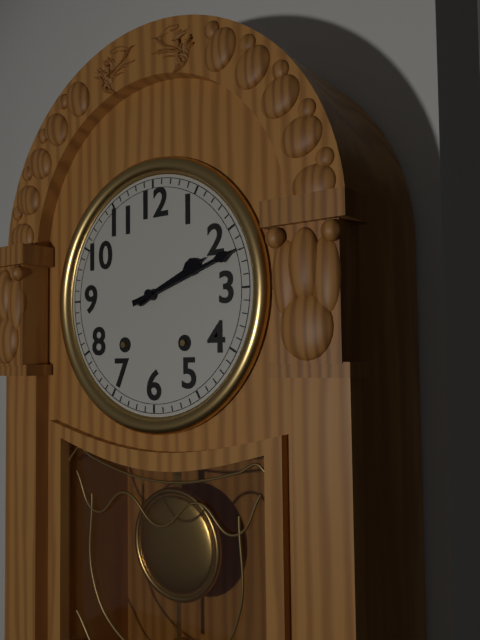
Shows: 2,12
